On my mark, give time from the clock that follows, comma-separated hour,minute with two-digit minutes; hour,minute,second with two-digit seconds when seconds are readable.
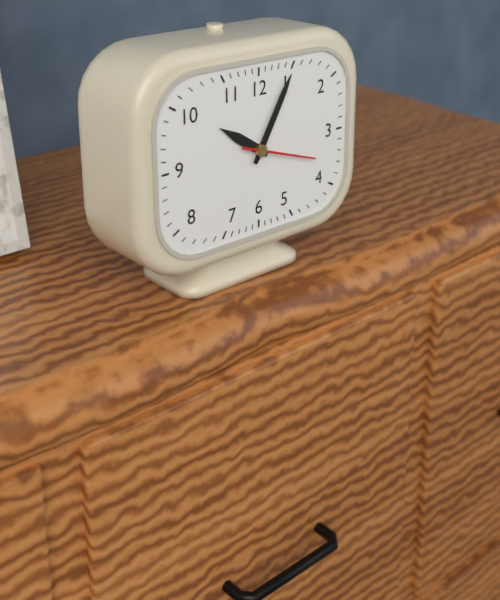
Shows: 10,05,18
